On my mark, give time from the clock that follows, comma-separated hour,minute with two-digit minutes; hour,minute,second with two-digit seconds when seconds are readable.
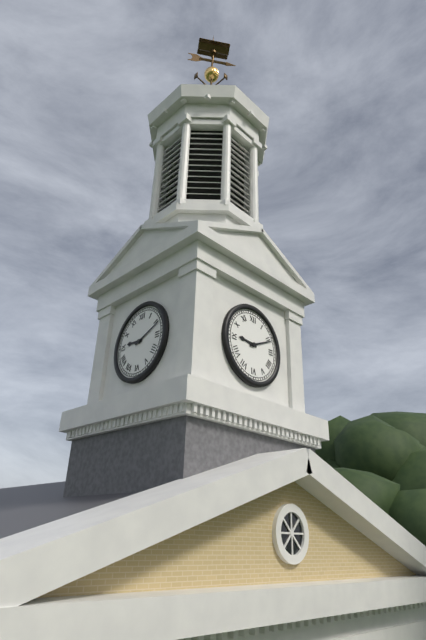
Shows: 9,11
